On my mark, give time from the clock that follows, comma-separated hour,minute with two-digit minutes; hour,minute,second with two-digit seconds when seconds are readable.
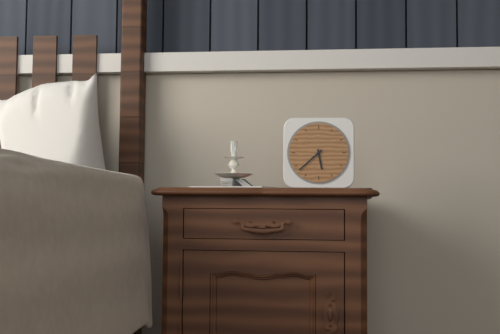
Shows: 5,38
